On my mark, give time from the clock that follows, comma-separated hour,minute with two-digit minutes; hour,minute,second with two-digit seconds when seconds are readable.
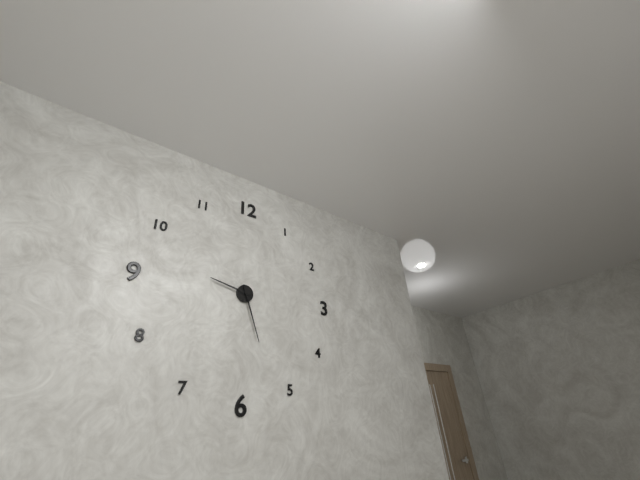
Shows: 9,27
